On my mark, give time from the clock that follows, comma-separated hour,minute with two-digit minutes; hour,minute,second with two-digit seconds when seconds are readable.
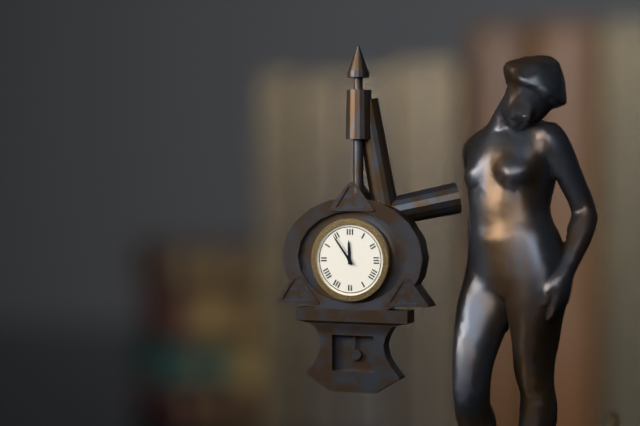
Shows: 11,54
